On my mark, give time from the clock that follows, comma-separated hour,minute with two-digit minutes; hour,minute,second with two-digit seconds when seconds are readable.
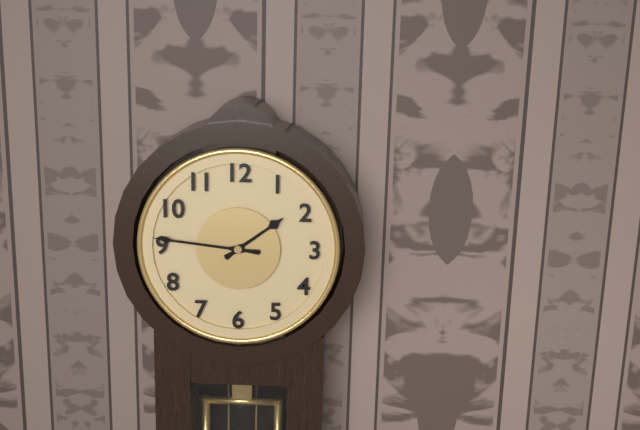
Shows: 1,46
